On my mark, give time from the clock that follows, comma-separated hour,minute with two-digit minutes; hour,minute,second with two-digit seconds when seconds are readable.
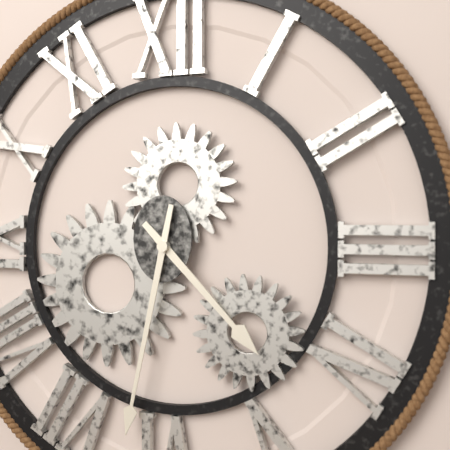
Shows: 4,32
